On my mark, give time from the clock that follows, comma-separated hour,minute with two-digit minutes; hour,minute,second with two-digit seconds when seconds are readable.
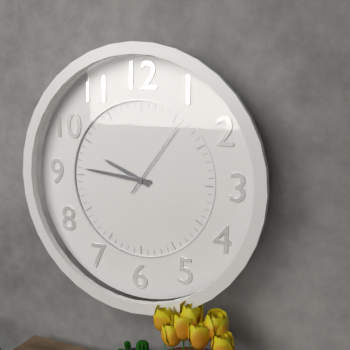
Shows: 9,46,06
